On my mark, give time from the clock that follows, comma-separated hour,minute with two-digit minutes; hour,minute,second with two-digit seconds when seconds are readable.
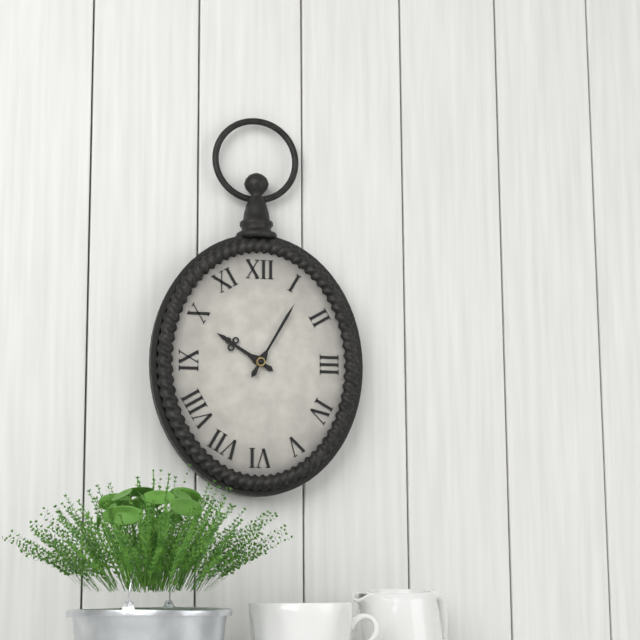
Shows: 10,05
